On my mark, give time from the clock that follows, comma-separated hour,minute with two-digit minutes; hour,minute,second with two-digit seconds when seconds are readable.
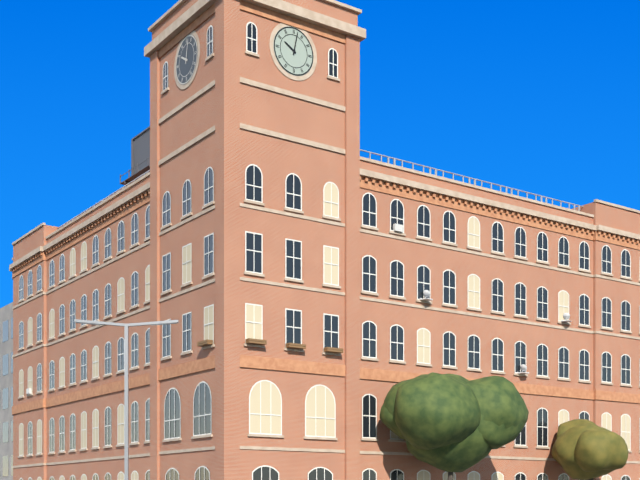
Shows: 10,02
